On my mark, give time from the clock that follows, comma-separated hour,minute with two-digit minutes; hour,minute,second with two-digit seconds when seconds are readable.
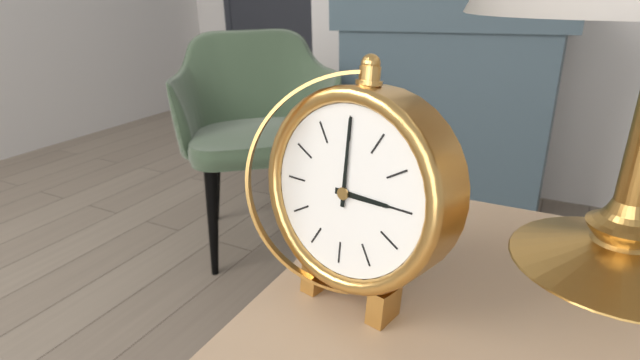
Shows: 3,00
